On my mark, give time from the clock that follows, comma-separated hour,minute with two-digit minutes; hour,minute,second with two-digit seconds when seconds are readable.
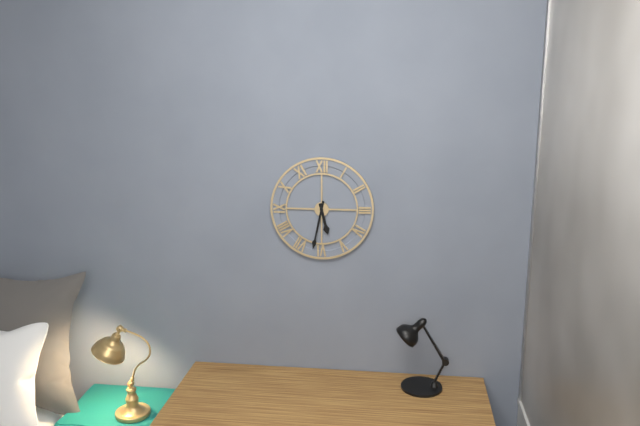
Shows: 5,32
